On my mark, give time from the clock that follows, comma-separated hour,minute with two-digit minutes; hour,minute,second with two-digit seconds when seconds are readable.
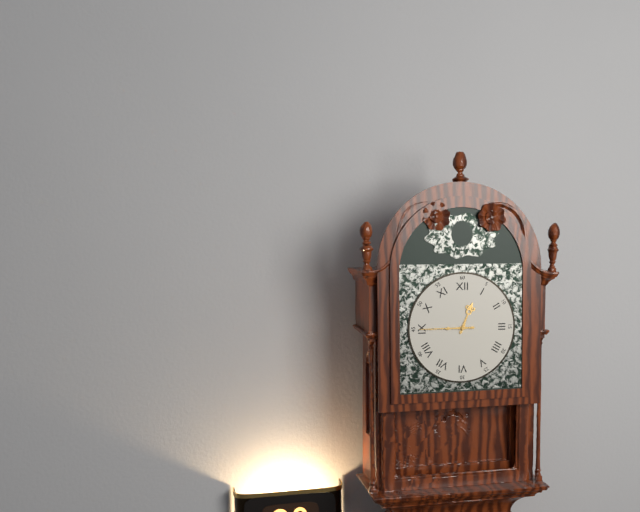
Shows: 12,45
